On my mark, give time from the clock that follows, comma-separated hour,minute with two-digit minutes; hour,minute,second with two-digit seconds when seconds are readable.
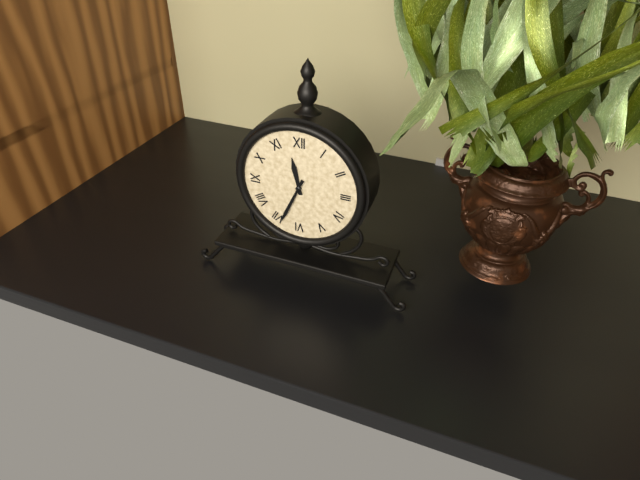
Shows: 11,34
